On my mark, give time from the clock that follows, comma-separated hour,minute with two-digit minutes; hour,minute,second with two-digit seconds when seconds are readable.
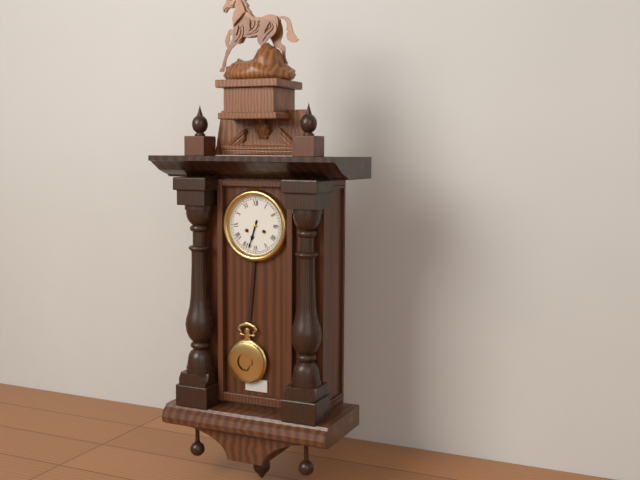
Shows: 6,33
